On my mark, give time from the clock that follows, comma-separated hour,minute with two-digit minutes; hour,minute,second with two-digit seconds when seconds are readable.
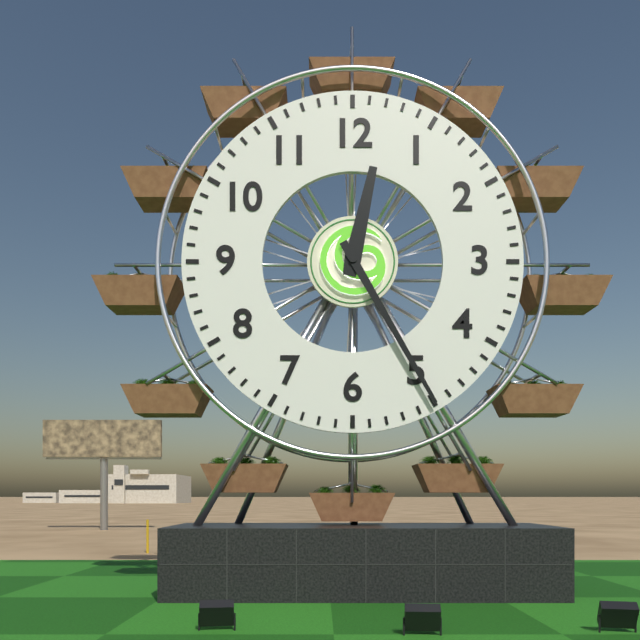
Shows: 12,25
